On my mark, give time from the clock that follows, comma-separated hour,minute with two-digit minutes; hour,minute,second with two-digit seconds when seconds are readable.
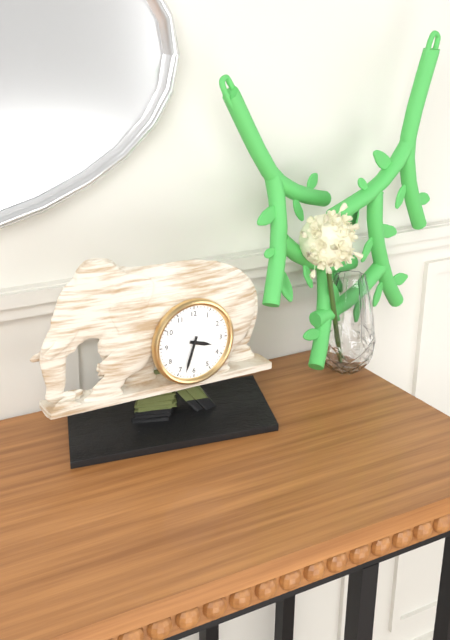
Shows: 3,33
